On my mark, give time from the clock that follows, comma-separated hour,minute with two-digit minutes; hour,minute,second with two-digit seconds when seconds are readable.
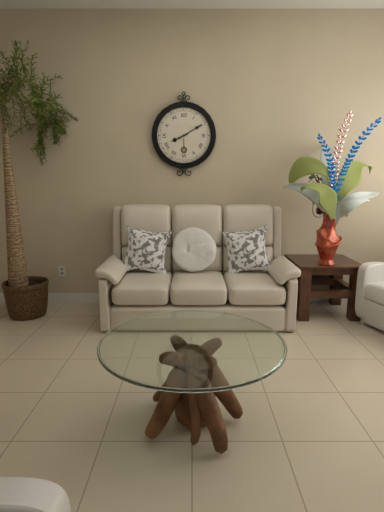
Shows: 8,10
